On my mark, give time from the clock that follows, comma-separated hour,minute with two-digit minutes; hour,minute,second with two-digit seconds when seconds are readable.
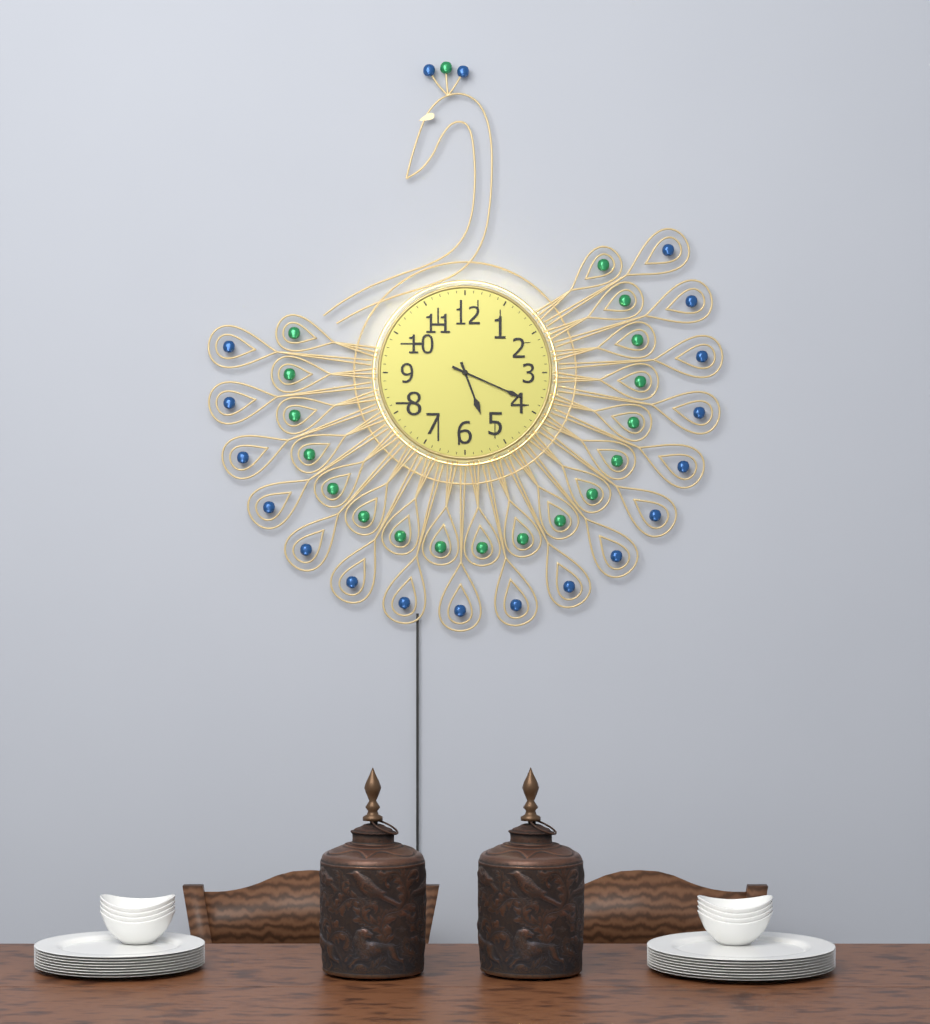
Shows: 5,19
